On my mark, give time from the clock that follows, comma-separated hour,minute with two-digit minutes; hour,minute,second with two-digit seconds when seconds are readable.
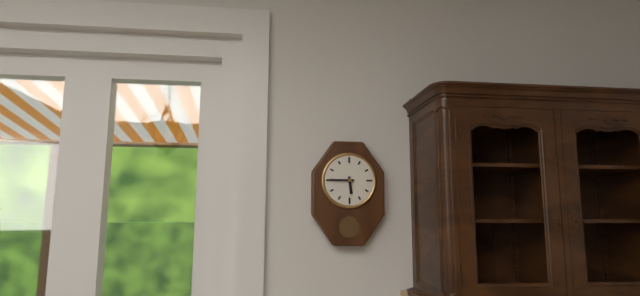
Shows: 5,45
